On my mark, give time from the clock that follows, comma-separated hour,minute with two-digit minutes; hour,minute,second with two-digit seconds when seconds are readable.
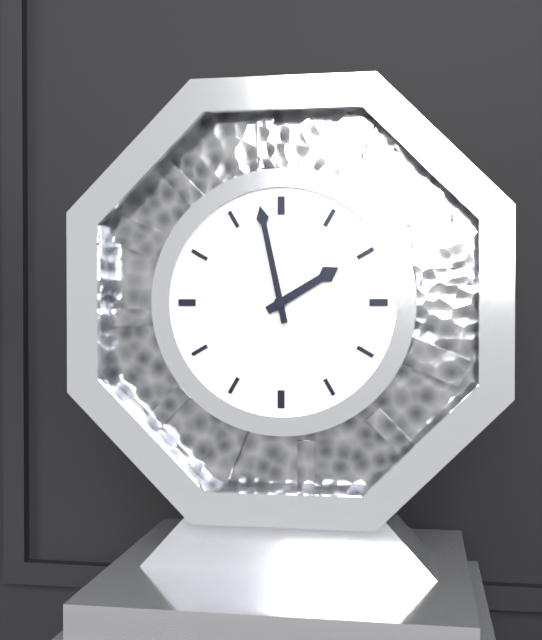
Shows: 1,58
